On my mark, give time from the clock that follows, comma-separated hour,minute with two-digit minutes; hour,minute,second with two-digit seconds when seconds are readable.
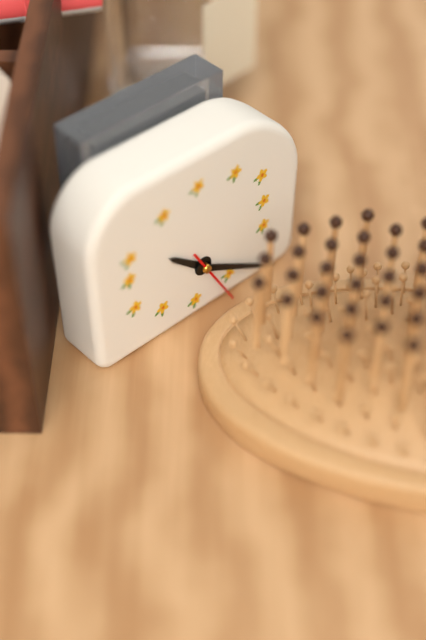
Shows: 10,20,25
